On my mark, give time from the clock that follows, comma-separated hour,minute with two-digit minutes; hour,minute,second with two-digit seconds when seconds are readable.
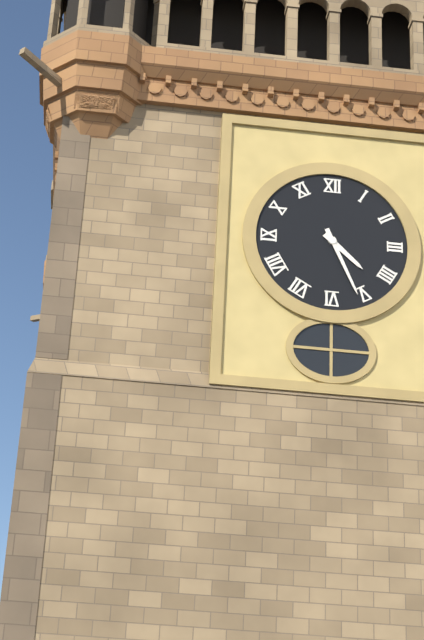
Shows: 4,26
